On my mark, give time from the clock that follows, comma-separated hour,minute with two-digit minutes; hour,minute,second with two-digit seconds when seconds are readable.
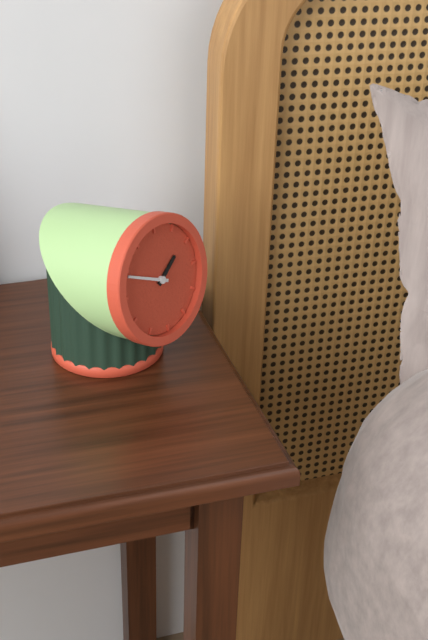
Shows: 1,49
